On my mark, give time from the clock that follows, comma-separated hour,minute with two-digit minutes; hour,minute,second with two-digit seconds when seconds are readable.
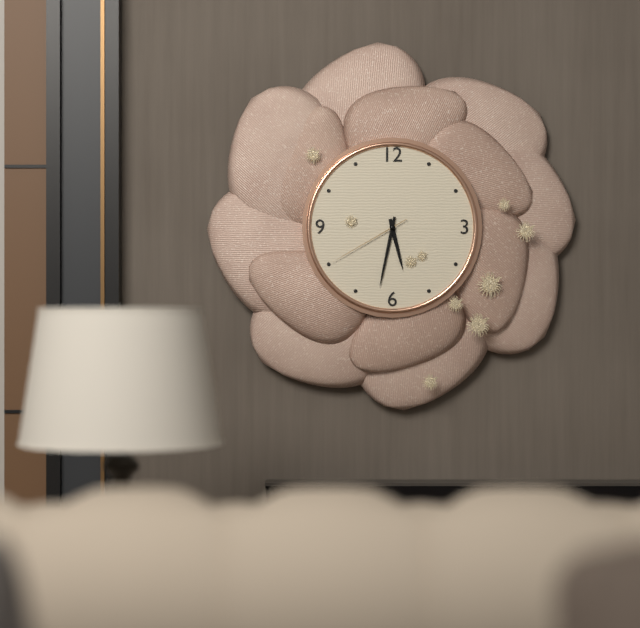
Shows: 5,32,40
